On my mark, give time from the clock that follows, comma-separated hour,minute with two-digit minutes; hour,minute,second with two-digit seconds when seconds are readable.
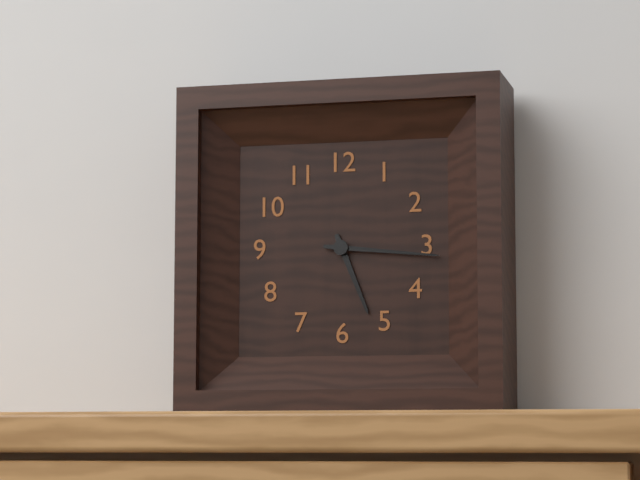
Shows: 5,16
